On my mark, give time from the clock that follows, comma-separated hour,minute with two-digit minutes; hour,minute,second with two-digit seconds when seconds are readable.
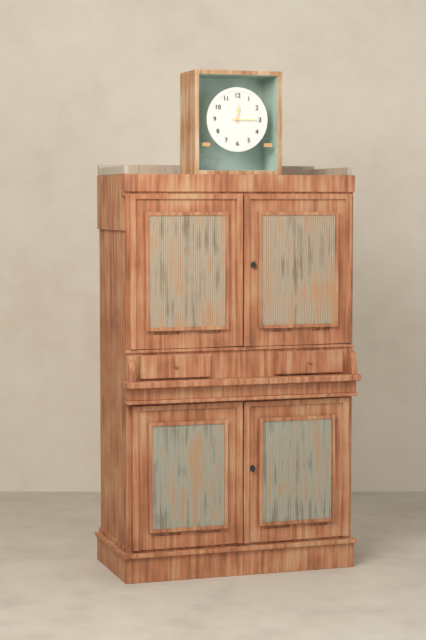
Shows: 12,15
